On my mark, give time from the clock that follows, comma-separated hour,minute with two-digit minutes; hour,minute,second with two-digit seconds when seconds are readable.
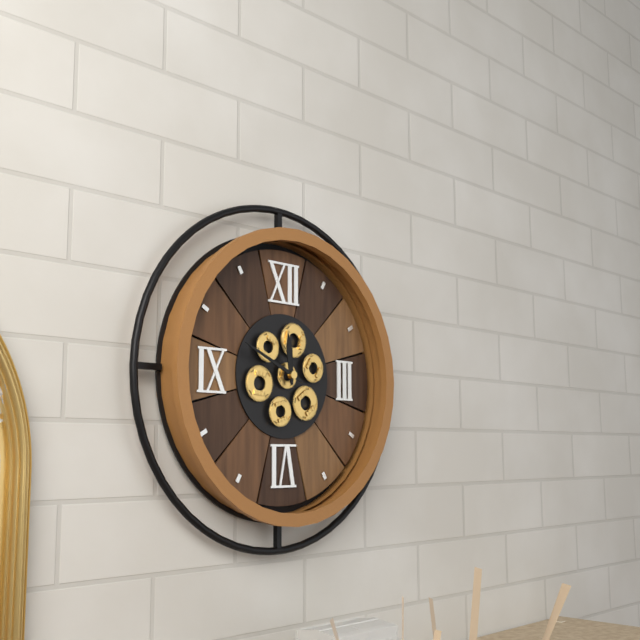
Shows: 11,49
